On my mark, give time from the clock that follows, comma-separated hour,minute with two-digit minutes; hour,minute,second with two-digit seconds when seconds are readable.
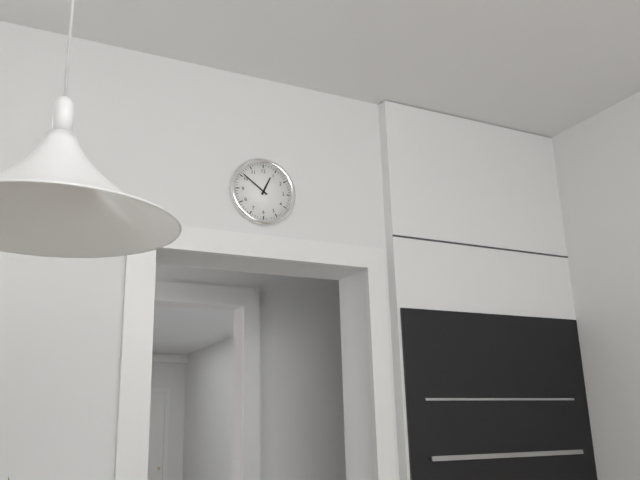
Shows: 12,51
